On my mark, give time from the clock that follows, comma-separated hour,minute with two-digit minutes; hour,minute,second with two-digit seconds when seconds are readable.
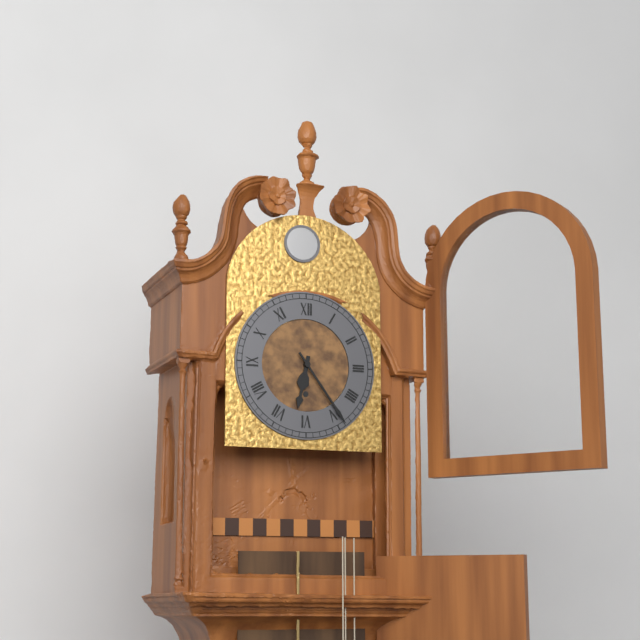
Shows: 6,24
